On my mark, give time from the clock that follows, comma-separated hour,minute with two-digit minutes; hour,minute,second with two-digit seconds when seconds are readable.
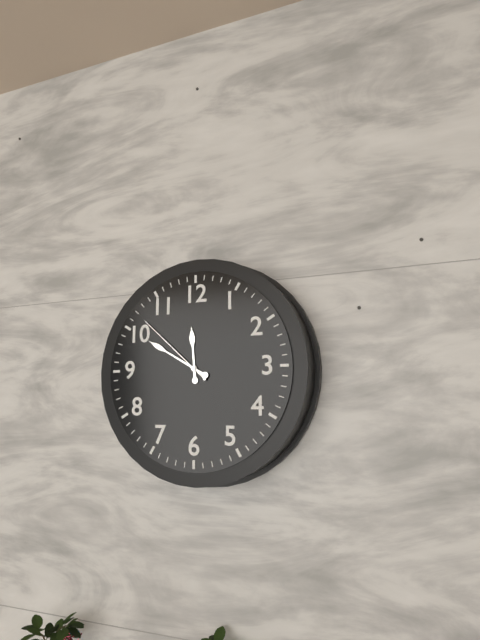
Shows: 11,50,52
